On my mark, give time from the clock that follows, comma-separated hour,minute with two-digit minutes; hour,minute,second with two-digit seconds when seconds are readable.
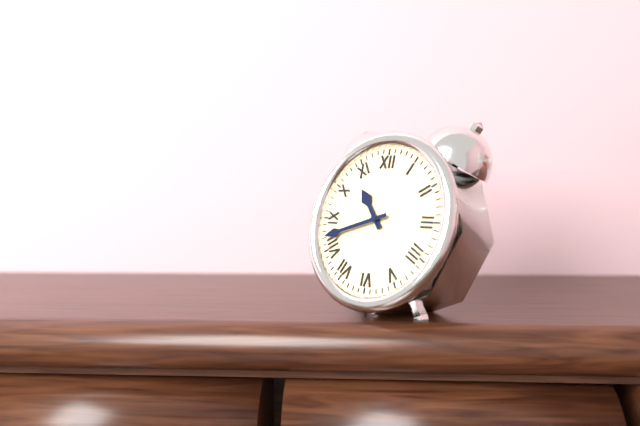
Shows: 10,42
